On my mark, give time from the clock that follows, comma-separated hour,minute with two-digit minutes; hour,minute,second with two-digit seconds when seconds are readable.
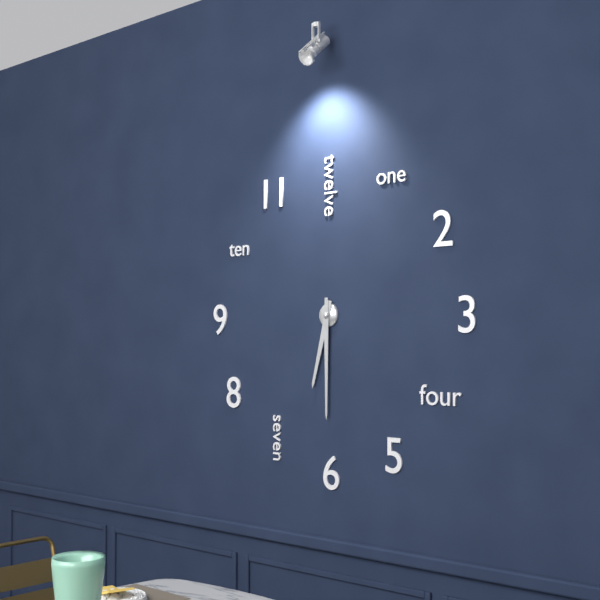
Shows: 6,30
